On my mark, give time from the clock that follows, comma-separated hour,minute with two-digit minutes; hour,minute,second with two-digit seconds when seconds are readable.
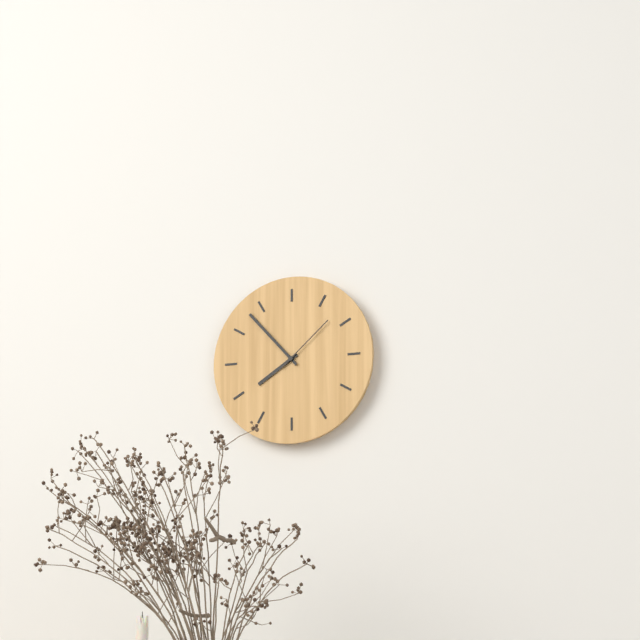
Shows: 7,53,08
